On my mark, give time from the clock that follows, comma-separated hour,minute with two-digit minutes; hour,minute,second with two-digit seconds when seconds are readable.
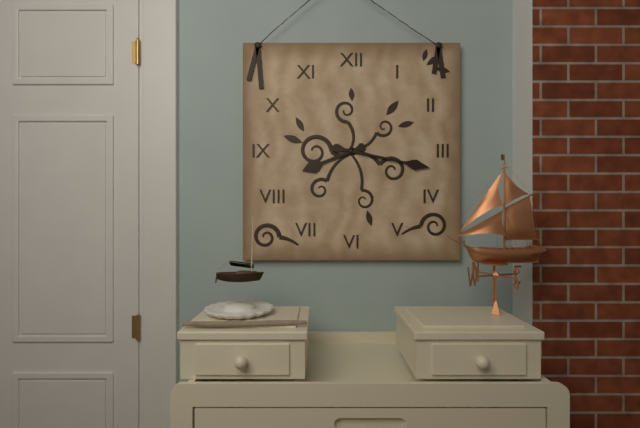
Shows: 8,17
